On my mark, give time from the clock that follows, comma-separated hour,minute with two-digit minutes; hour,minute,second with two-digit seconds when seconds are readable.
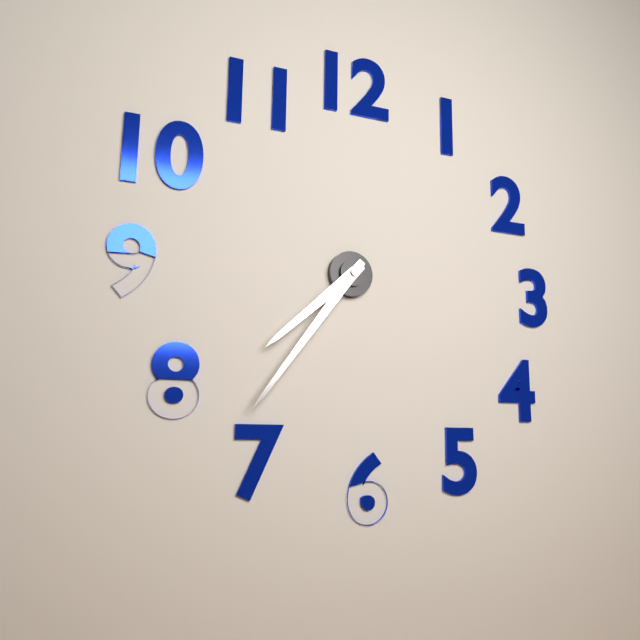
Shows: 7,36
